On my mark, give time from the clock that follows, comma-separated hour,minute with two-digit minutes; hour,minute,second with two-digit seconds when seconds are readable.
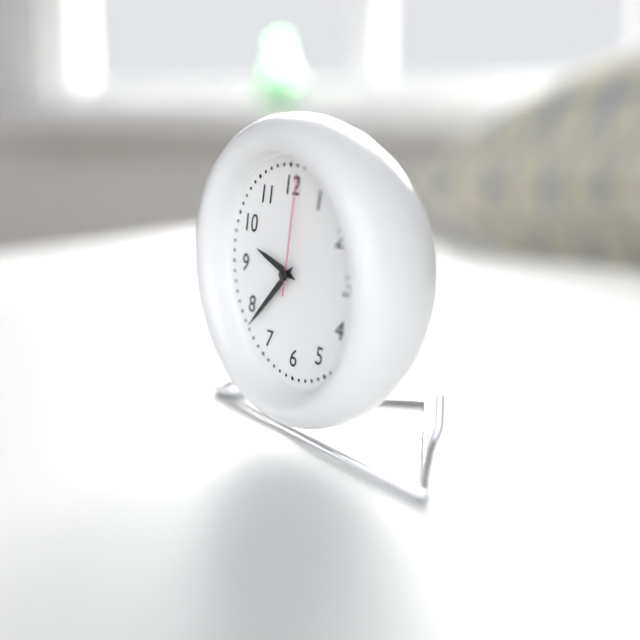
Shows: 9,38,02
